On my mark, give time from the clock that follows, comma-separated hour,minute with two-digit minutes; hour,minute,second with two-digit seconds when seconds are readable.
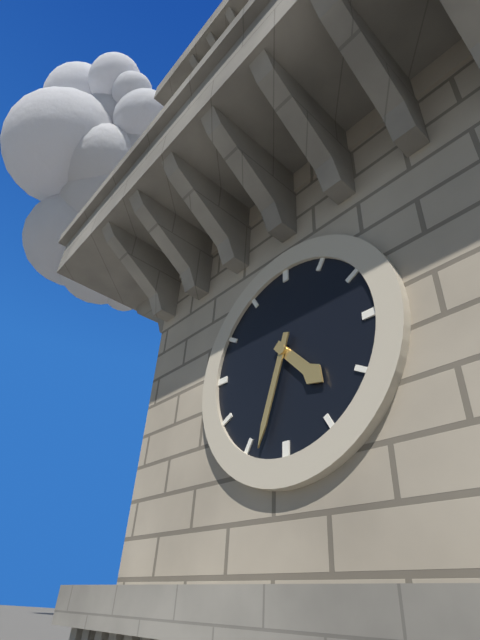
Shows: 4,33
